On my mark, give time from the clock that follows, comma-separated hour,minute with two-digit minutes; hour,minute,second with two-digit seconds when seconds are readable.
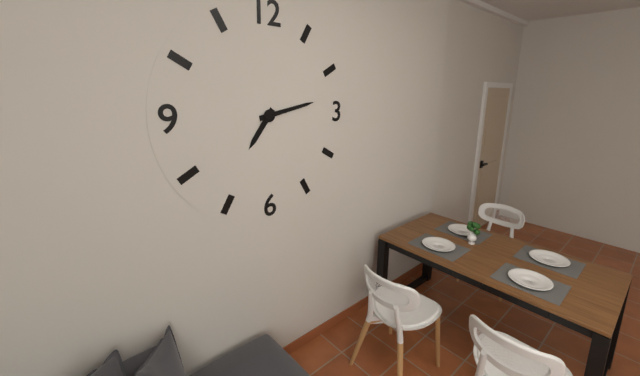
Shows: 7,13
